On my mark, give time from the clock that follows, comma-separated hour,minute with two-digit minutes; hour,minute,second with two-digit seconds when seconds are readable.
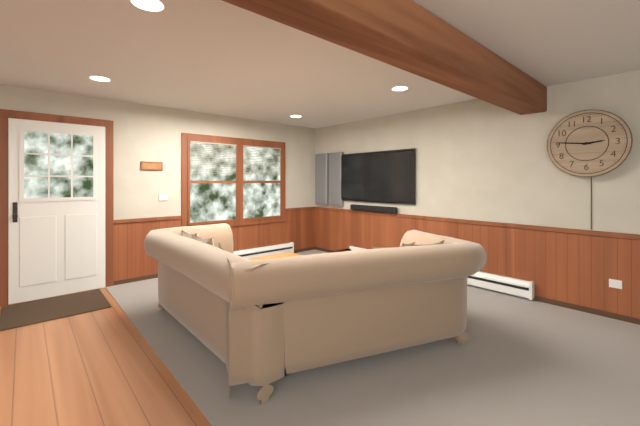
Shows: 2,46
